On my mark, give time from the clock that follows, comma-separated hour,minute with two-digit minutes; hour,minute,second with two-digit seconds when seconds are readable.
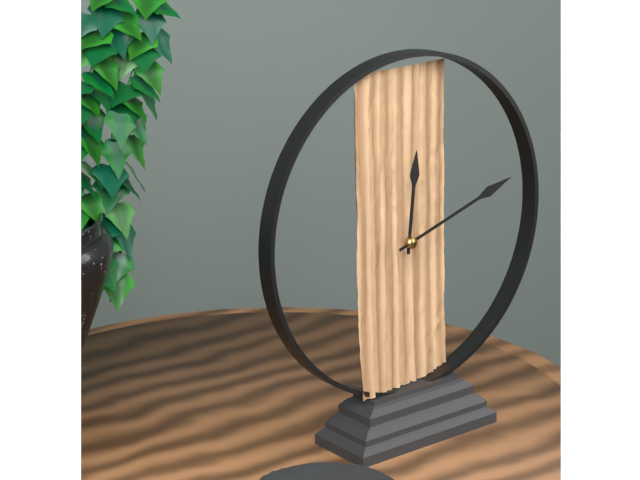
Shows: 12,12
